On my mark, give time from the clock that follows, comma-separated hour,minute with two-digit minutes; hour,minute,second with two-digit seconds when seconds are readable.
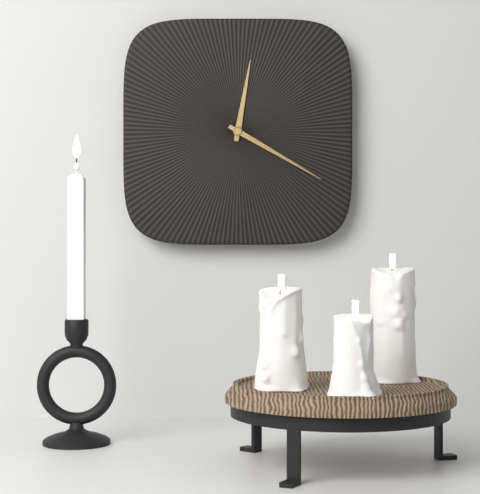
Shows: 12,20
